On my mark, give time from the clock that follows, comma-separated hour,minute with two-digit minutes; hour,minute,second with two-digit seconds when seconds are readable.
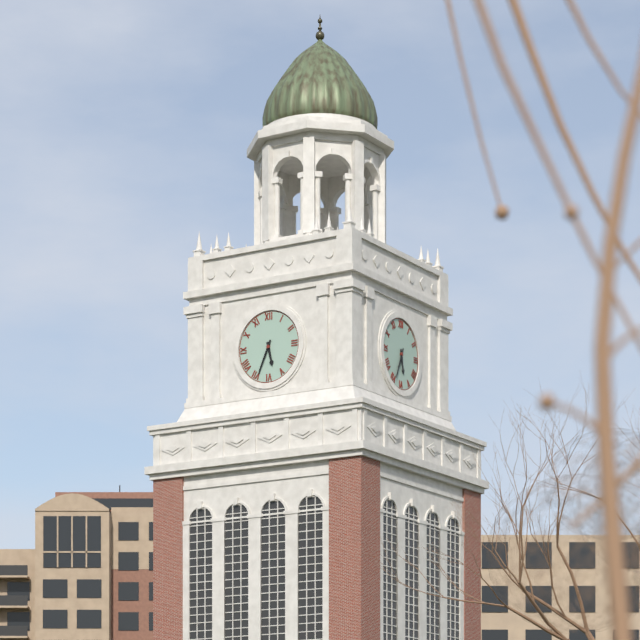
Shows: 5,34
